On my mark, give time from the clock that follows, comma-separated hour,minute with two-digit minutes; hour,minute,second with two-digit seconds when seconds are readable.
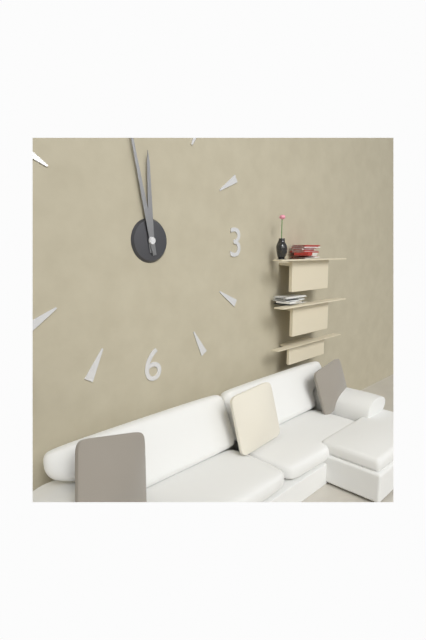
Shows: 11,58
